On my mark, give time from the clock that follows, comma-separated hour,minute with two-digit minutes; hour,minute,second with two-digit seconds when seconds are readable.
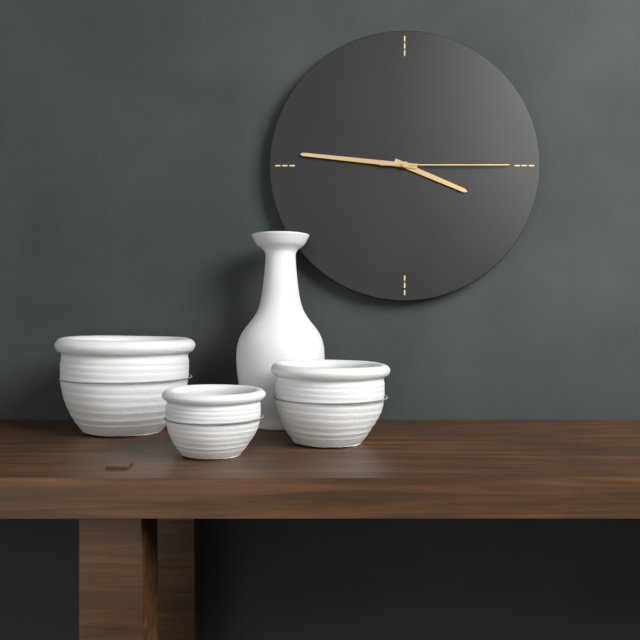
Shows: 3,46,15
